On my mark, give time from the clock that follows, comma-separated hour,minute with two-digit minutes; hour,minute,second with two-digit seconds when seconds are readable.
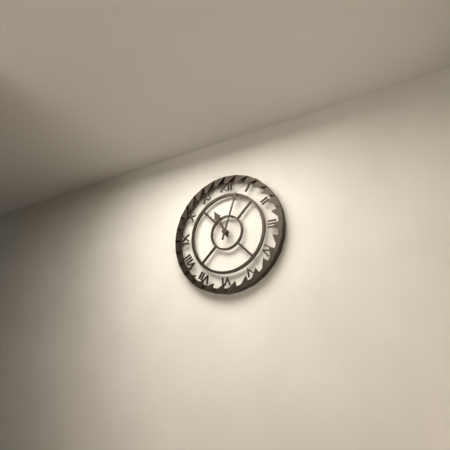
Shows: 11,03
